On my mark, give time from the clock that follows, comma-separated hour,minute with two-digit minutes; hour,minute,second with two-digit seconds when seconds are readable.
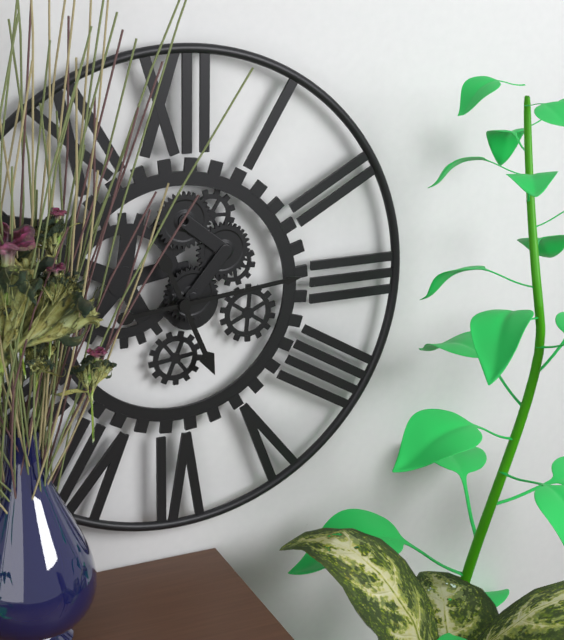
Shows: 5,14
